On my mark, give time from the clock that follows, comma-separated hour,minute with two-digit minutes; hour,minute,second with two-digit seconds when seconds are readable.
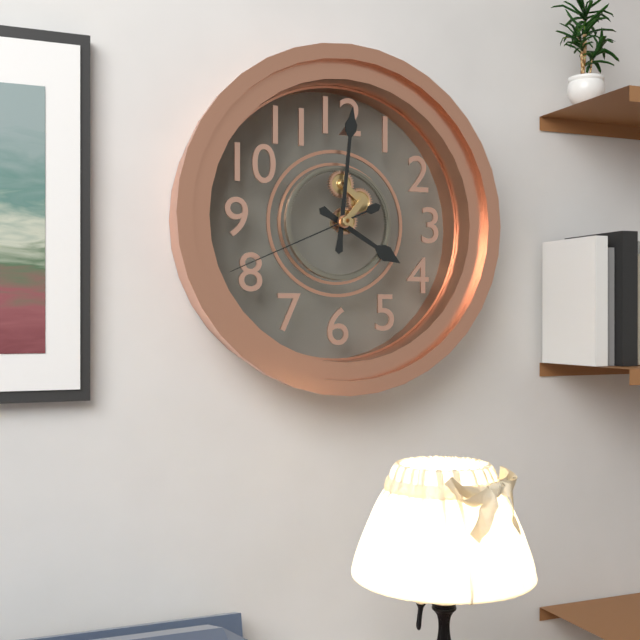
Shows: 4,01,41
